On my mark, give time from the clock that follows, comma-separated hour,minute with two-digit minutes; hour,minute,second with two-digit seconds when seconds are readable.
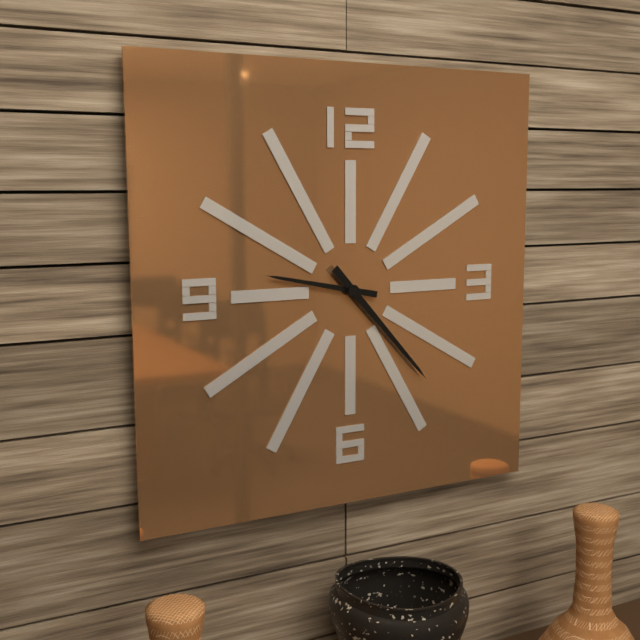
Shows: 9,23
